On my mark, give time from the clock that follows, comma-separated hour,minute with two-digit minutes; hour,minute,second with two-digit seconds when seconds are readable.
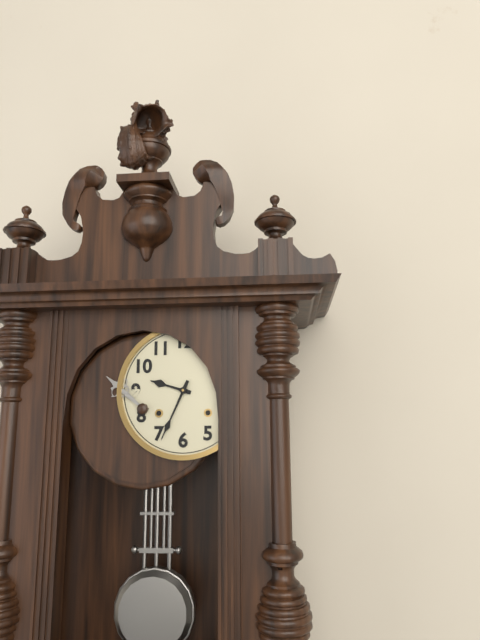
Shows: 9,34
